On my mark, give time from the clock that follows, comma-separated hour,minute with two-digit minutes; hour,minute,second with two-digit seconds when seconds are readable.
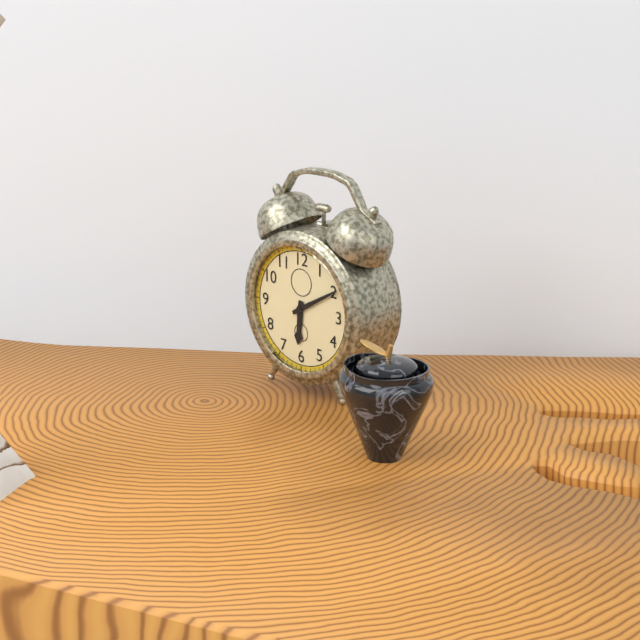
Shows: 6,10
